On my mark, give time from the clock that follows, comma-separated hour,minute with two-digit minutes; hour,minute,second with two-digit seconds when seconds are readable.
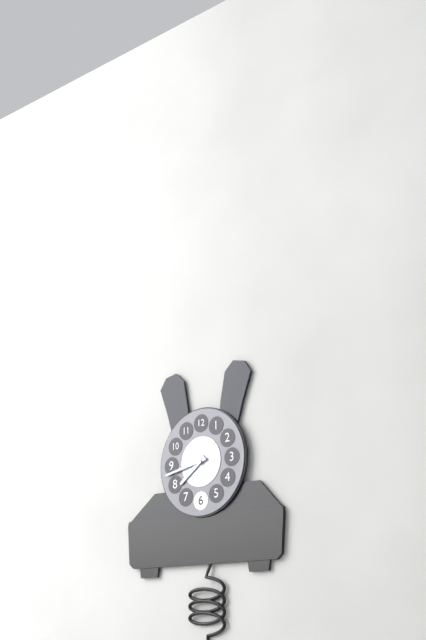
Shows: 7,43
